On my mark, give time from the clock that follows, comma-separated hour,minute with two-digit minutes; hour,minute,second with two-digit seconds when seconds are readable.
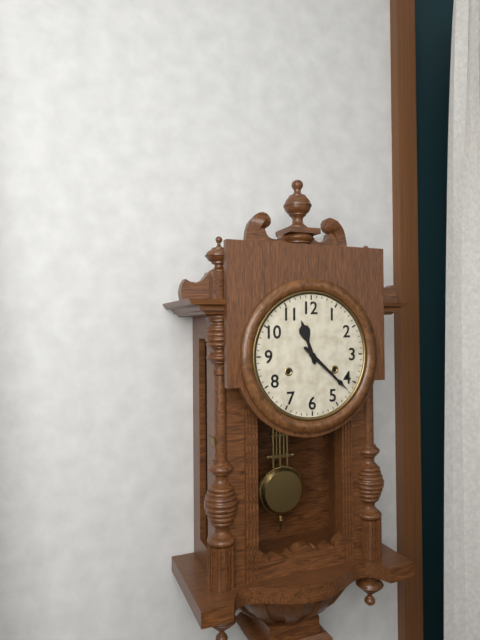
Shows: 11,22
